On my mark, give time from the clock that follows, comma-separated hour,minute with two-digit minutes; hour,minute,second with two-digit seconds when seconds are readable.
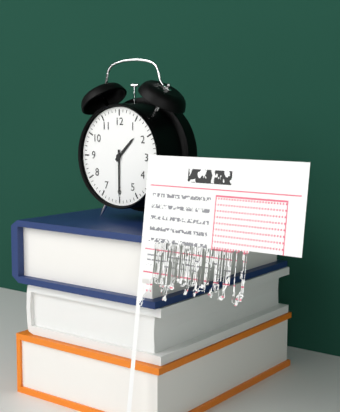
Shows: 1,30
